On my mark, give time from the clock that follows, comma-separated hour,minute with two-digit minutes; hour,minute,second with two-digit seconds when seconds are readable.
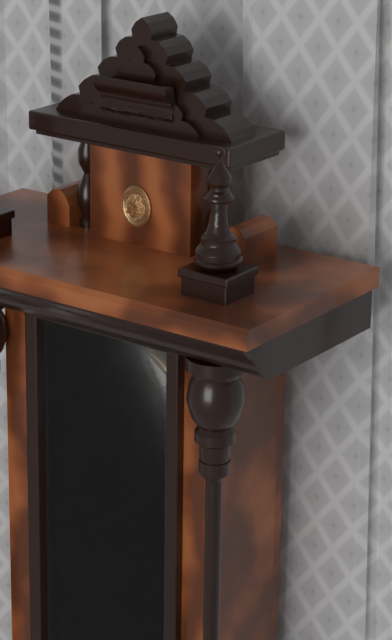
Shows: 8,15
